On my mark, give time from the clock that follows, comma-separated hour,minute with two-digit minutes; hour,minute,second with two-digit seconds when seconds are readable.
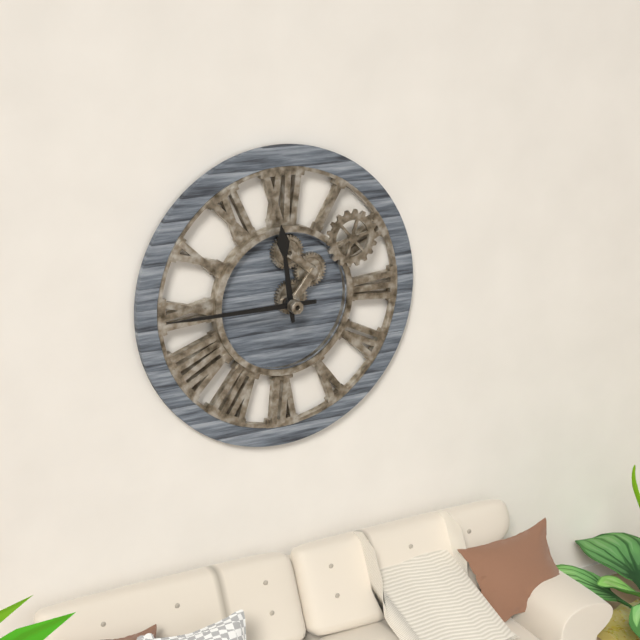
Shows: 11,45
